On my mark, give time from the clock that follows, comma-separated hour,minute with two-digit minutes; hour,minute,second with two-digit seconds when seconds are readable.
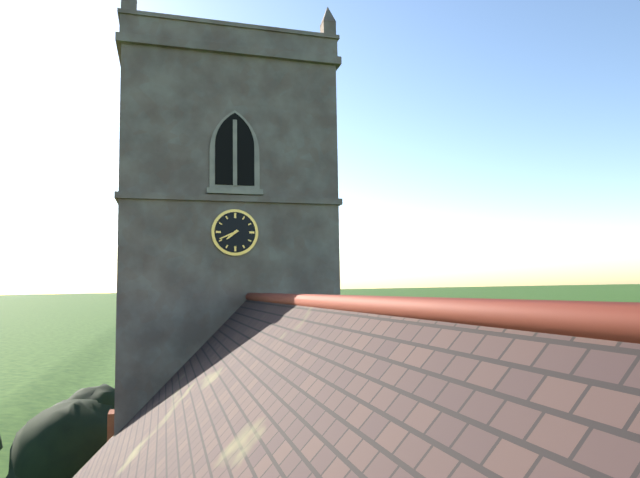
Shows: 7,41
